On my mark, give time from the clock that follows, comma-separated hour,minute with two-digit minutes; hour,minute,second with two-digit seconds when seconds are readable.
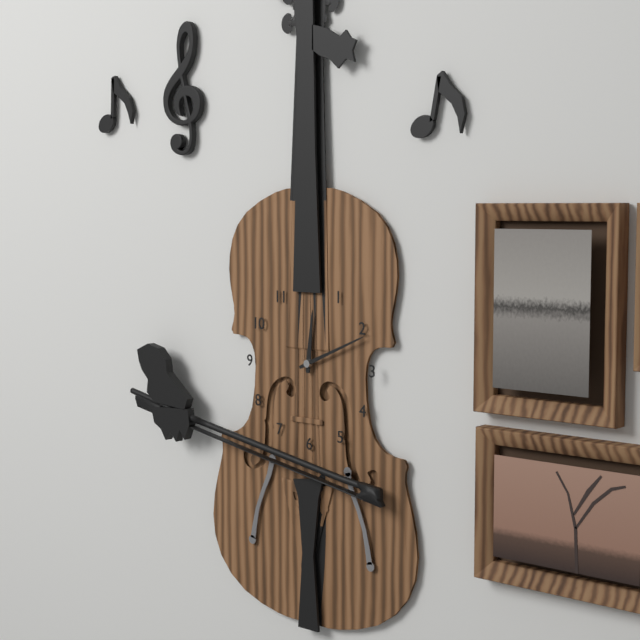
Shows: 12,11
